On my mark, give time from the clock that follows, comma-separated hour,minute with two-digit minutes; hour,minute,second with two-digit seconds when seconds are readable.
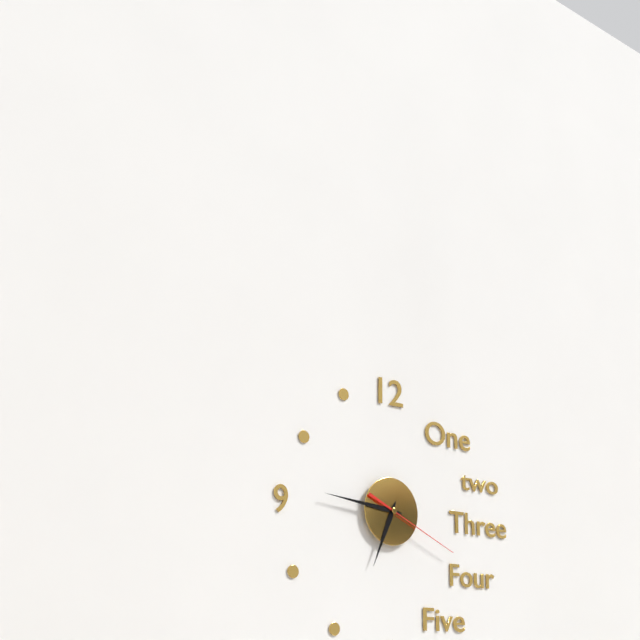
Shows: 6,46,19
